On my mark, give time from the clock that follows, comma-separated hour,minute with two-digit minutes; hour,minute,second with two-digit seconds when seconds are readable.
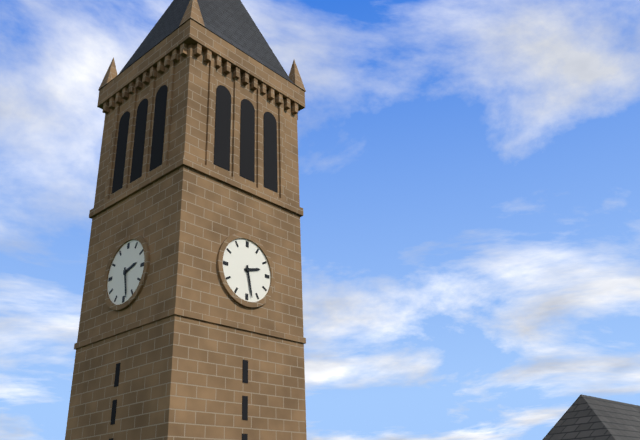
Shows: 2,28
